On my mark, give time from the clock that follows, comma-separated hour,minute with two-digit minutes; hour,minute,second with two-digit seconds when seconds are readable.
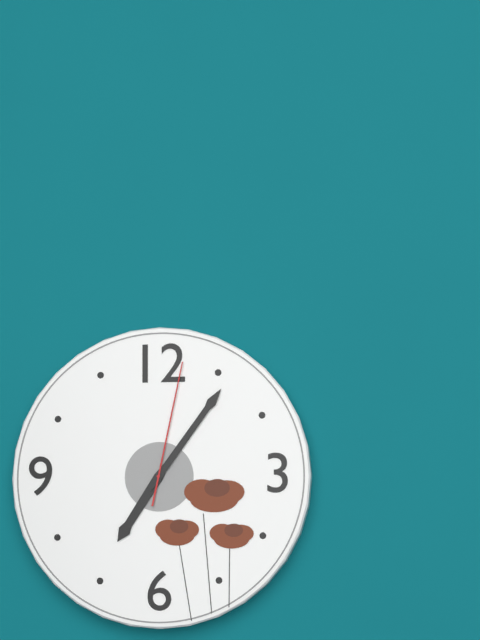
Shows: 7,06,02
